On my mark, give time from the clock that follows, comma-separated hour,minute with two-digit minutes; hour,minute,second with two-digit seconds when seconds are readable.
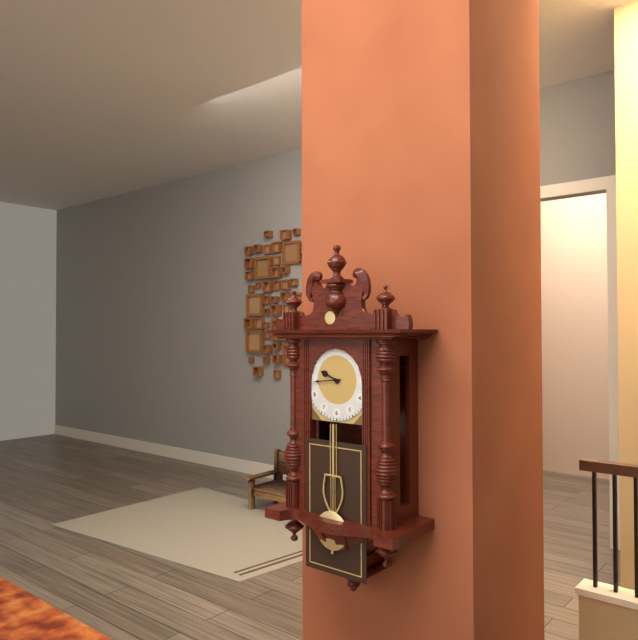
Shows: 9,44
